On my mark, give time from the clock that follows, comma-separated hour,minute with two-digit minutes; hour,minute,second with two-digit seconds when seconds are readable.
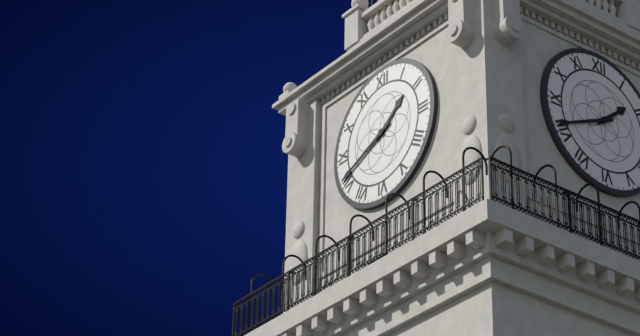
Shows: 1,41
